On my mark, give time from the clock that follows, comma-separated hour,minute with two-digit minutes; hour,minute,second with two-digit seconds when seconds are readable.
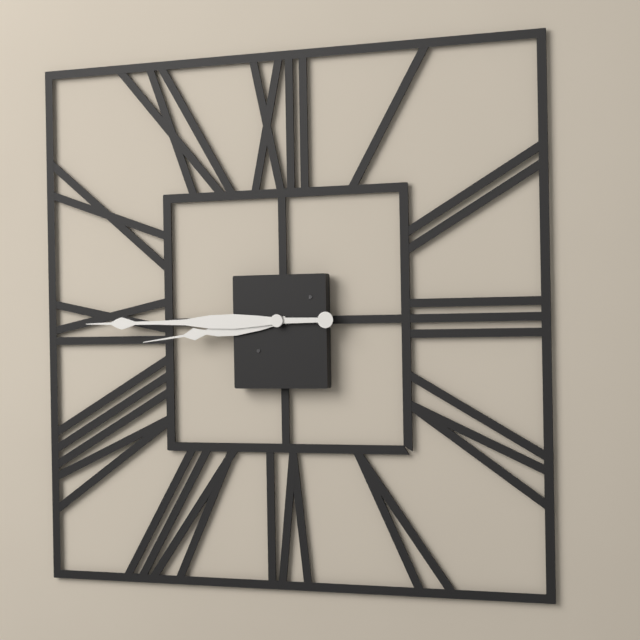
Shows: 8,45
